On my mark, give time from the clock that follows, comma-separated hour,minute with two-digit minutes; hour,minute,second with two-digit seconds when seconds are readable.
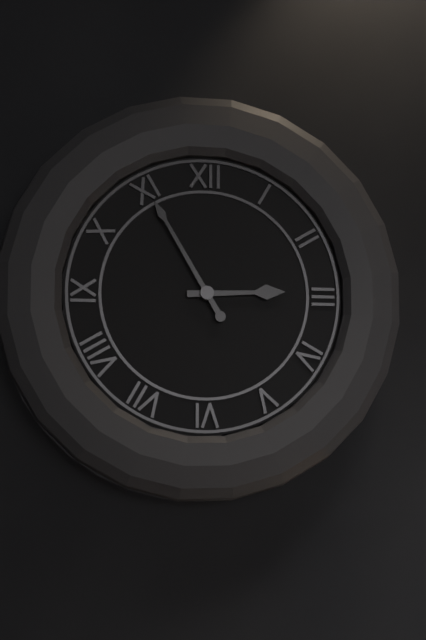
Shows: 2,55
